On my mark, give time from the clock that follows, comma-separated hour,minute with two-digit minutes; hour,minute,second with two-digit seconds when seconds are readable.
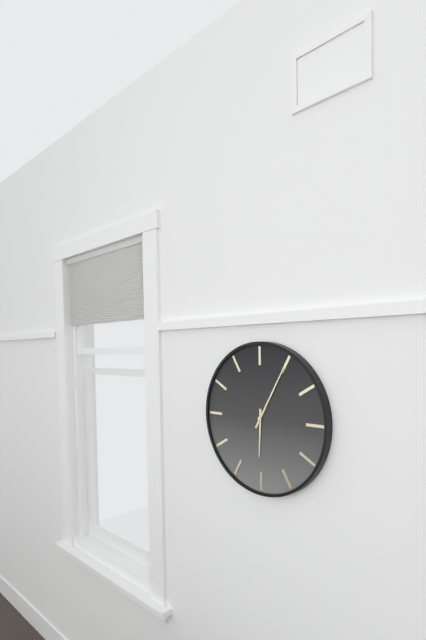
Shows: 6,05
